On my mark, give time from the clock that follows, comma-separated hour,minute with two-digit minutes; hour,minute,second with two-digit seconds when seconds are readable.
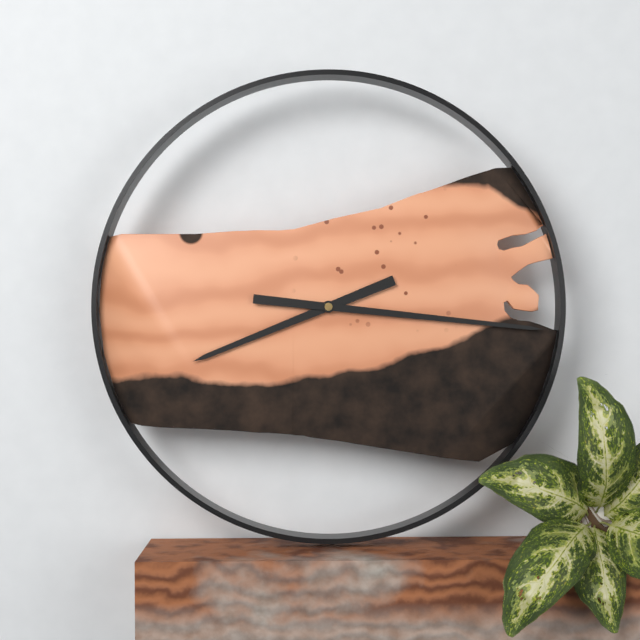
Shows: 8,16
